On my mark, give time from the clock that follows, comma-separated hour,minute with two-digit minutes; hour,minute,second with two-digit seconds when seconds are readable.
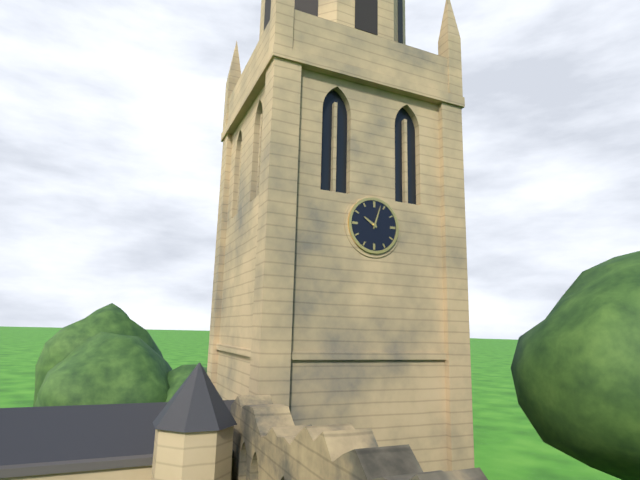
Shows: 10,03
